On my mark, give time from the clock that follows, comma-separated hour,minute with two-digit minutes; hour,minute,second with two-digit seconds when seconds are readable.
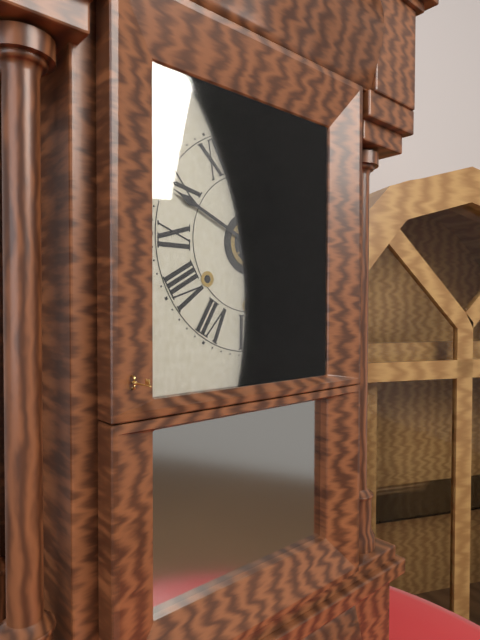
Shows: 1,49
